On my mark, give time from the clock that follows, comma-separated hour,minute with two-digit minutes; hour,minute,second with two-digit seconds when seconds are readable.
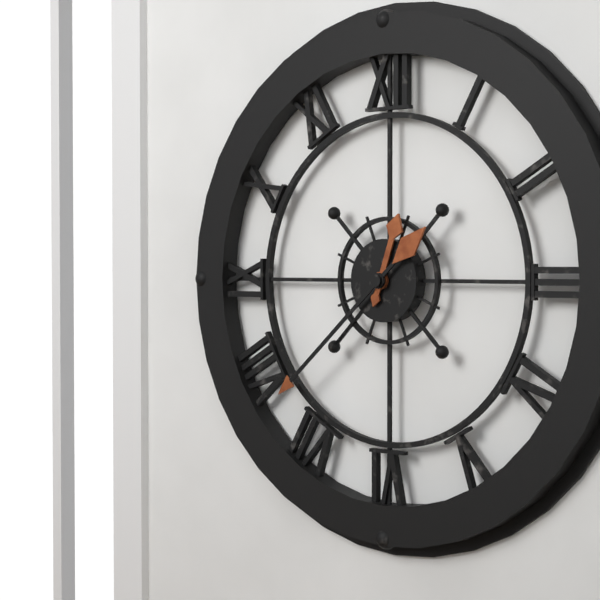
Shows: 12,38
